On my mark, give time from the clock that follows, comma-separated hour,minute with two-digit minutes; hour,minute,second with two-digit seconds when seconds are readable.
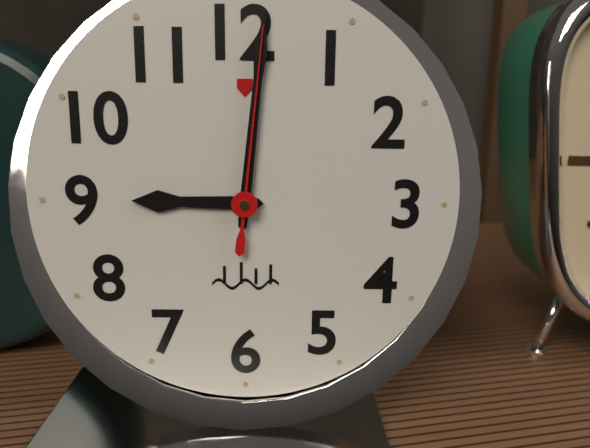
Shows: 9,01,01
